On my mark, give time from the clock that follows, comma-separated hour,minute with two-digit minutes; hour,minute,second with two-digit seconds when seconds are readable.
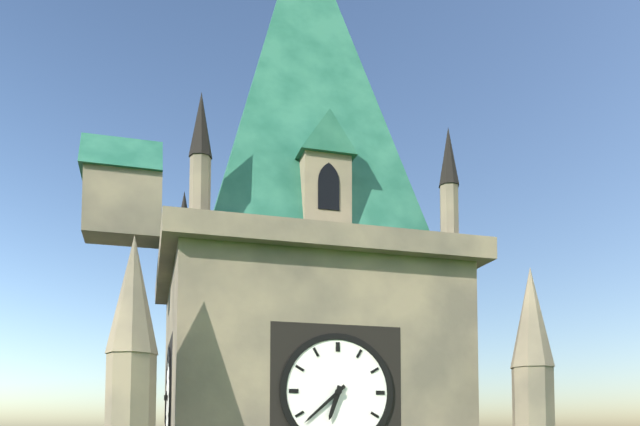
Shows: 6,38
